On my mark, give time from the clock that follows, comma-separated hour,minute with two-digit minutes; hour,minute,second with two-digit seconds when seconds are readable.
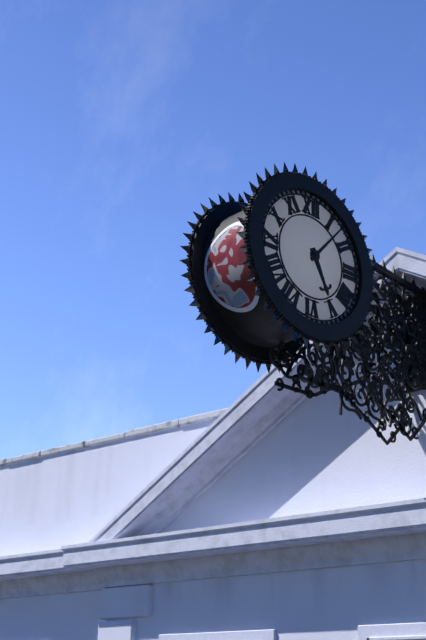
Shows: 5,07
